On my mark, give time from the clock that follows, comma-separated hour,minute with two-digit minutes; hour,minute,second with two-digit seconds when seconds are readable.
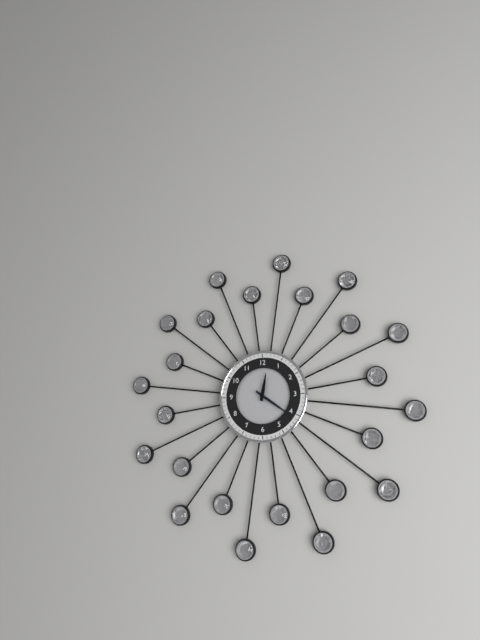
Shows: 12,21
